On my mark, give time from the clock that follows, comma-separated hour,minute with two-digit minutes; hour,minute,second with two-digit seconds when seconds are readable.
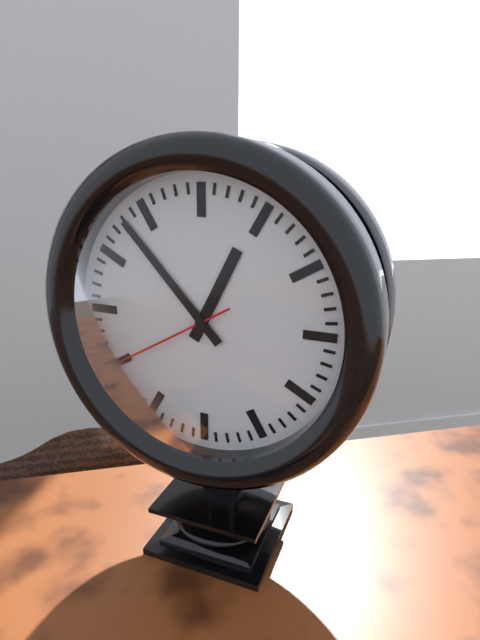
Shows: 12,53,40
